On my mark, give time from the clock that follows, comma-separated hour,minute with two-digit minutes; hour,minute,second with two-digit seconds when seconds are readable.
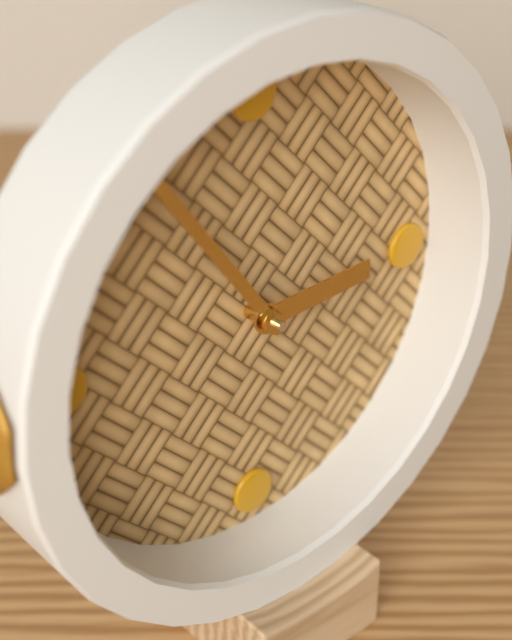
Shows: 2,54
